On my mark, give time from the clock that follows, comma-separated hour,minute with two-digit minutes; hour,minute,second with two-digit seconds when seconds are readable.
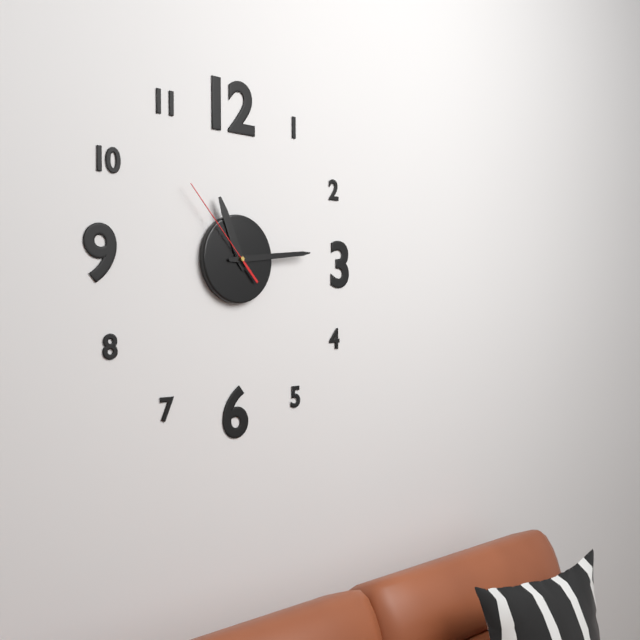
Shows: 11,14,53
